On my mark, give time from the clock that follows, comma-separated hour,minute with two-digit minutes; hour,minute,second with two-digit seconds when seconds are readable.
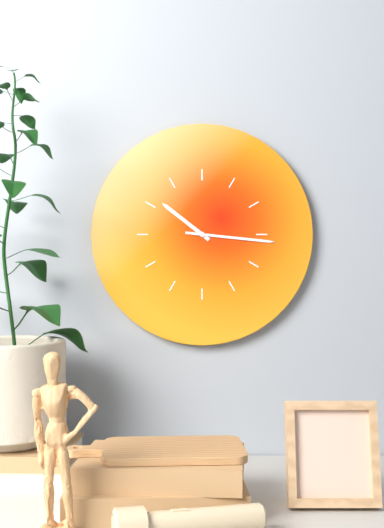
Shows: 10,16
